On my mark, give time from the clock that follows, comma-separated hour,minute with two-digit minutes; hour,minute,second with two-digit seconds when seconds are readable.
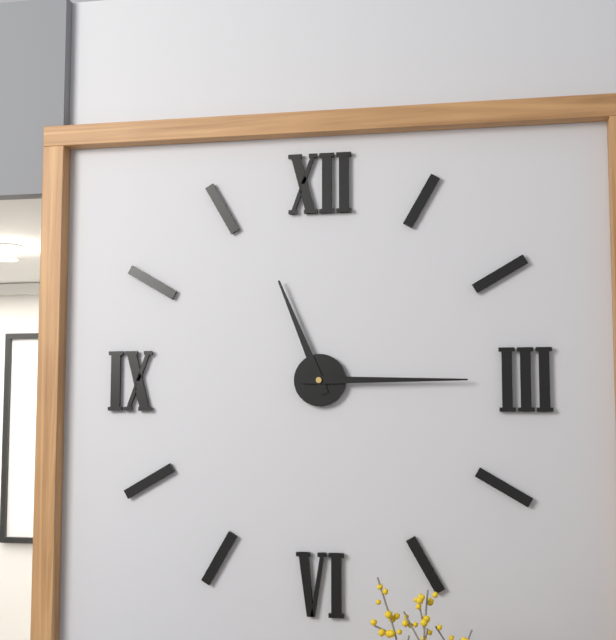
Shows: 11,15
